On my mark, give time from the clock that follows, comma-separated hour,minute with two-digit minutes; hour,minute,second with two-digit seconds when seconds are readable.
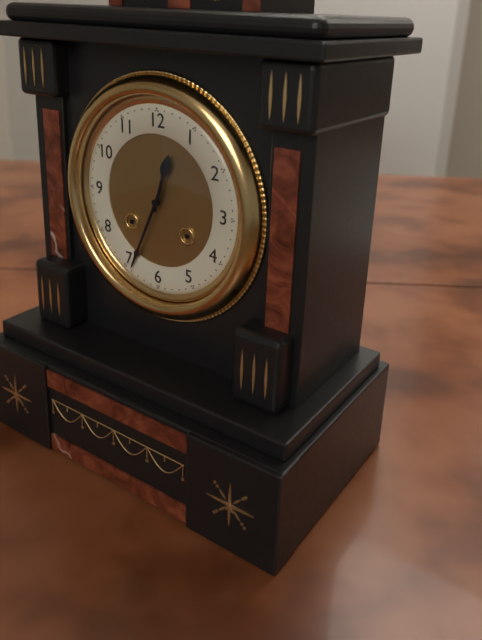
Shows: 12,34
